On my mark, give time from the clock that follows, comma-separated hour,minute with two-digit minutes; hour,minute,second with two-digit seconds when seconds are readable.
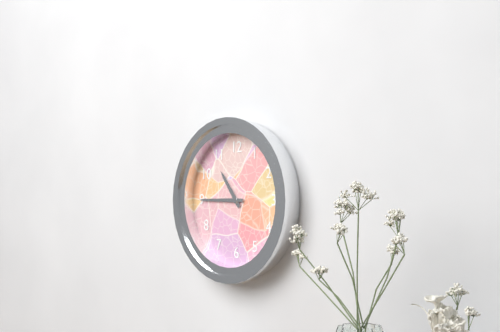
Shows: 10,45
